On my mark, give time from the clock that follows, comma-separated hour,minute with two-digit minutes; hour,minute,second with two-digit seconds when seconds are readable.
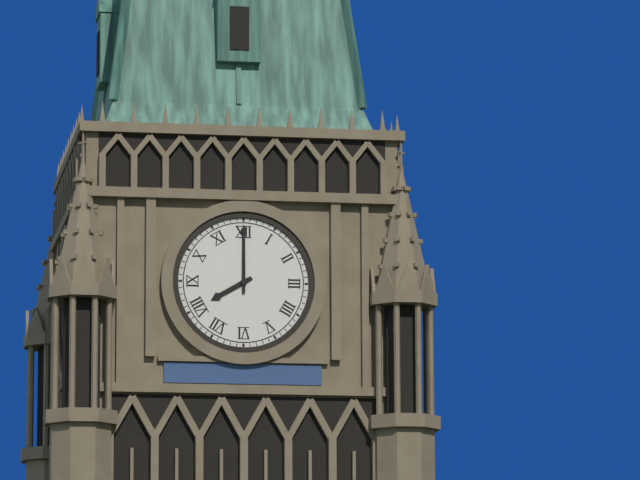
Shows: 8,00
